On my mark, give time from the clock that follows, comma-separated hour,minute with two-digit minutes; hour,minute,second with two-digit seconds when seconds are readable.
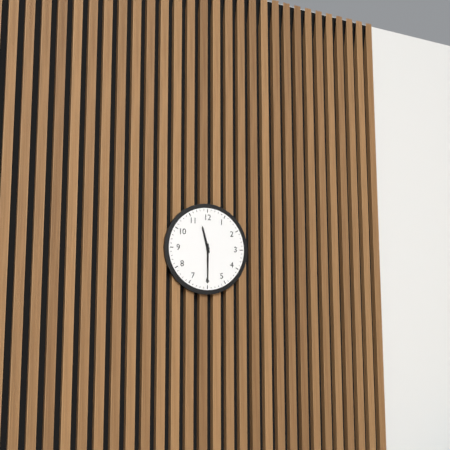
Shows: 11,30
